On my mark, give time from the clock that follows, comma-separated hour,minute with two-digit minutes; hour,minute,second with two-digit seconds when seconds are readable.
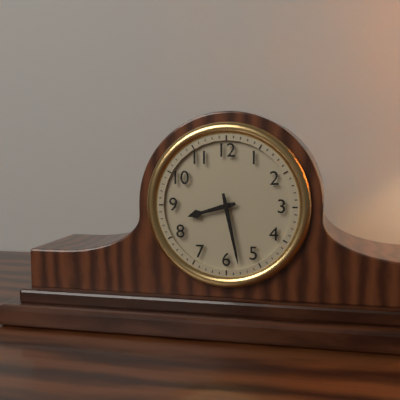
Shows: 8,28
